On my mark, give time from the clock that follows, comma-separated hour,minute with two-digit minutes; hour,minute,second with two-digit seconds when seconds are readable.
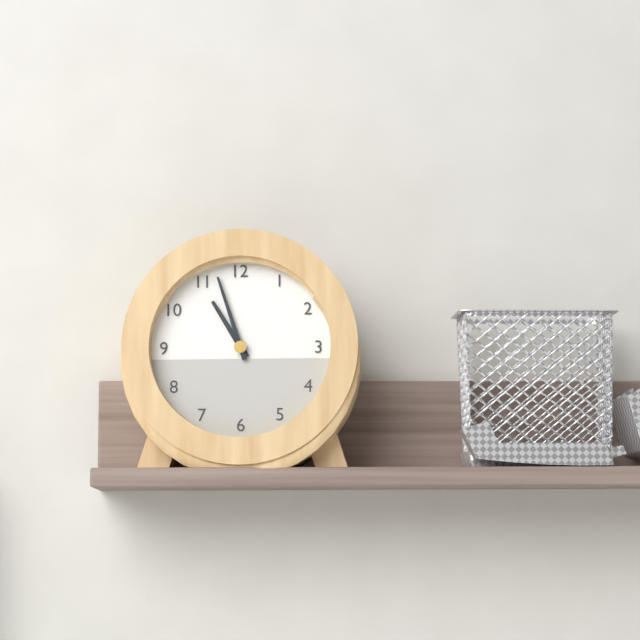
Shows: 10,57
